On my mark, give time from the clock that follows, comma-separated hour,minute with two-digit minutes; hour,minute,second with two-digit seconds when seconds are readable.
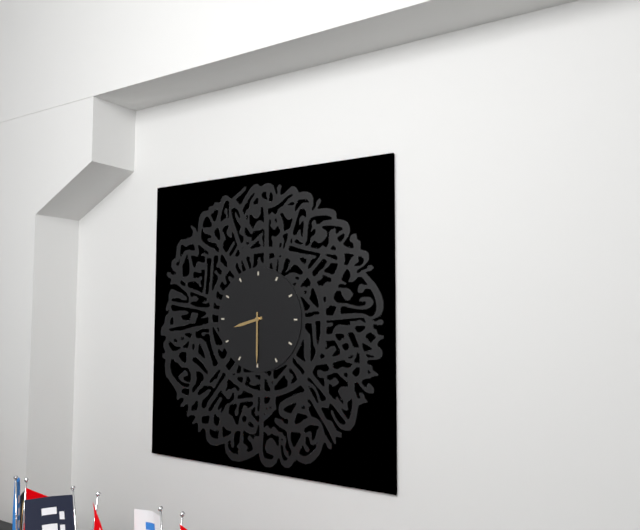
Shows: 8,30
